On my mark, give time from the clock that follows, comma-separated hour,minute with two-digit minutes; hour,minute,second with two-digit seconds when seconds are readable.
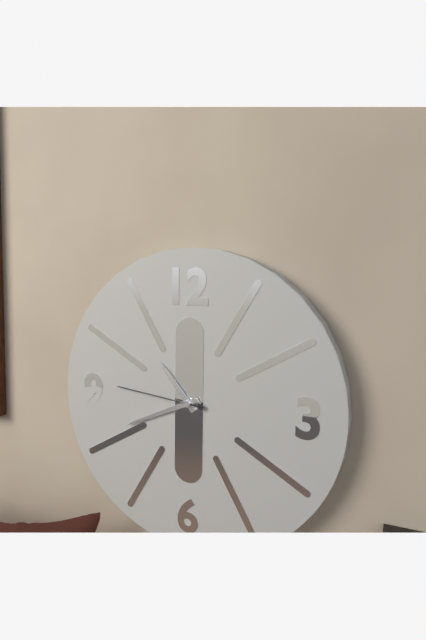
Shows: 10,41,46
